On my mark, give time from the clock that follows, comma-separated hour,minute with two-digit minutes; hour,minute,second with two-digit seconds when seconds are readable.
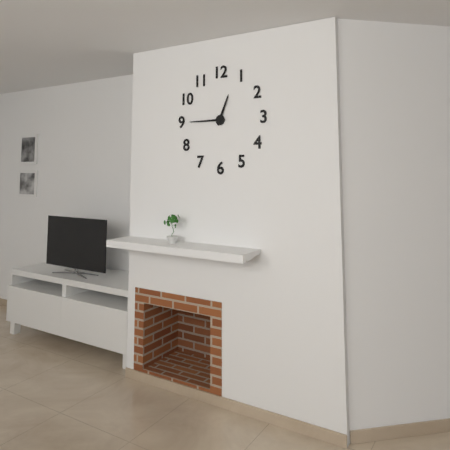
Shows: 12,45
